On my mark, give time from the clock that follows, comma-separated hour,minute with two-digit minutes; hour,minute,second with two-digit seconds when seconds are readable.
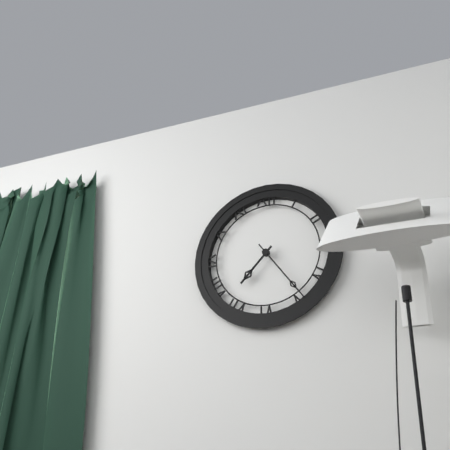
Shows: 7,24
